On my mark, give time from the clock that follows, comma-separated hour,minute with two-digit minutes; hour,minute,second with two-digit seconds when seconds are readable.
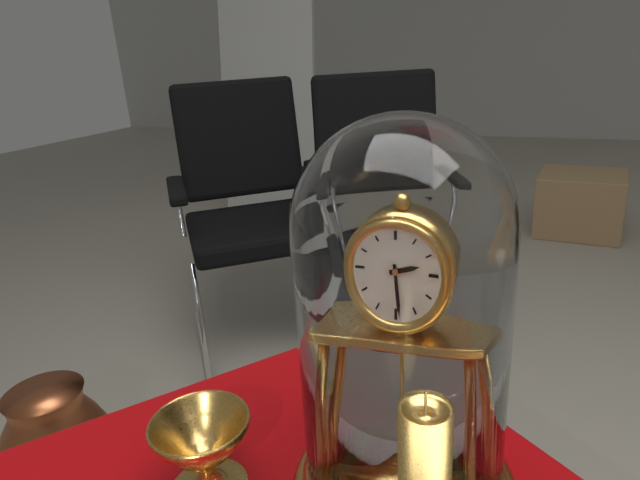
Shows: 2,29
